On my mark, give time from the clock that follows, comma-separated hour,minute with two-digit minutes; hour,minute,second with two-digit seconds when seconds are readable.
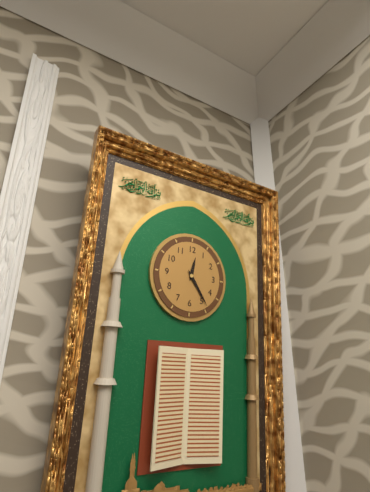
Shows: 12,24
